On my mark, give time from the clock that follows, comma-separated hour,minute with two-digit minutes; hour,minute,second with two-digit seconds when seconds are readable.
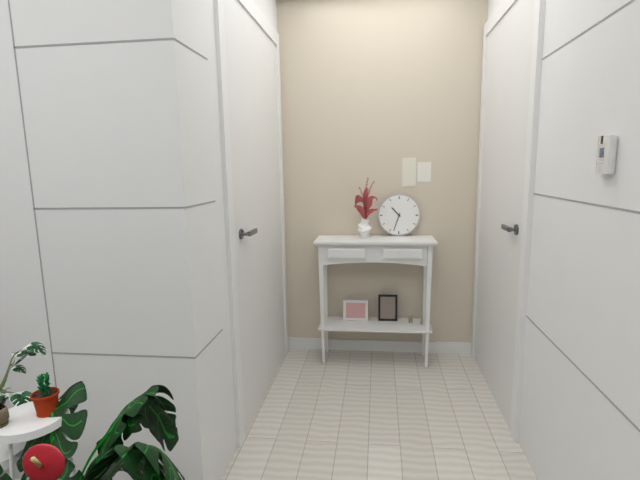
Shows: 10,33
